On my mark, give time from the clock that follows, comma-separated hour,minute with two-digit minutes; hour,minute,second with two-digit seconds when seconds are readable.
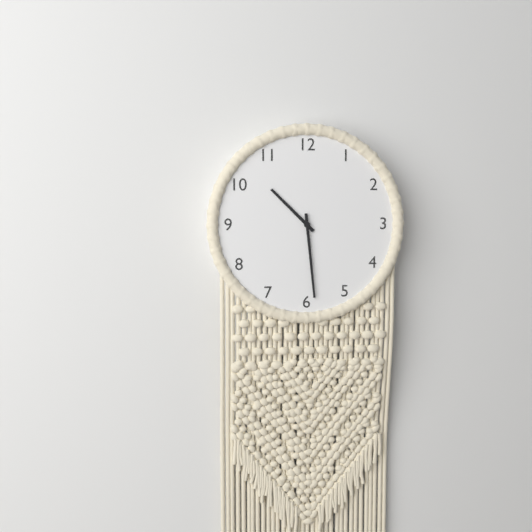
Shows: 10,29
